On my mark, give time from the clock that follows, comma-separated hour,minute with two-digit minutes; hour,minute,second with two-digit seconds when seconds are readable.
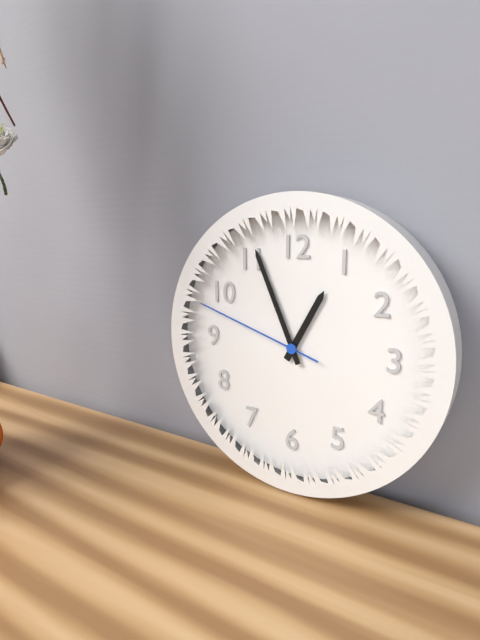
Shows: 12,56,48
